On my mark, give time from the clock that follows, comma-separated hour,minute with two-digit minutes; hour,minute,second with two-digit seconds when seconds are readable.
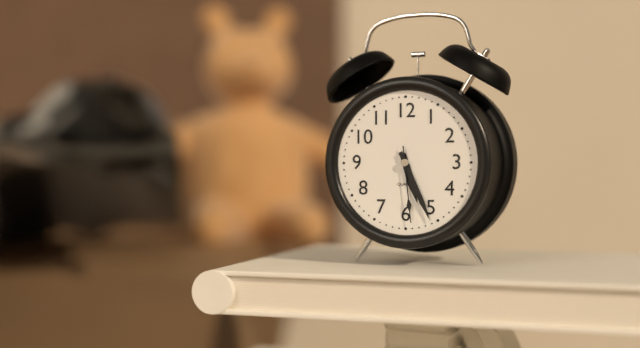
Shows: 5,26,29
